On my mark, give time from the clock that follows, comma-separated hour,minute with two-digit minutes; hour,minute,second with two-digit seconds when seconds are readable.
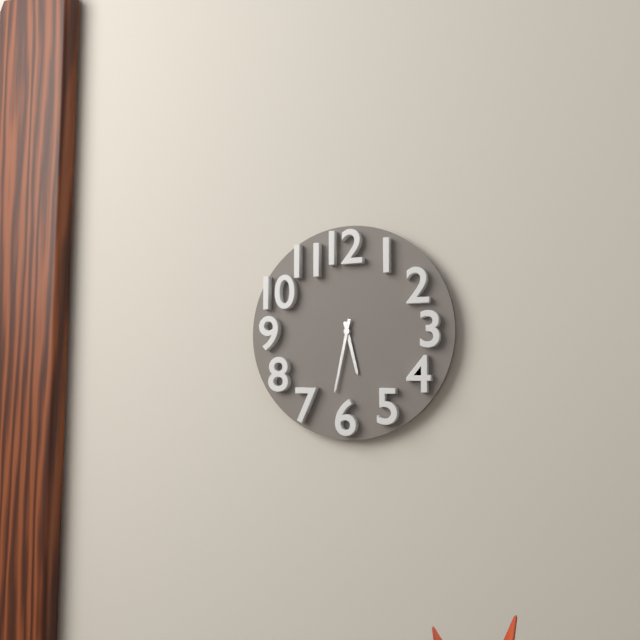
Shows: 5,32
